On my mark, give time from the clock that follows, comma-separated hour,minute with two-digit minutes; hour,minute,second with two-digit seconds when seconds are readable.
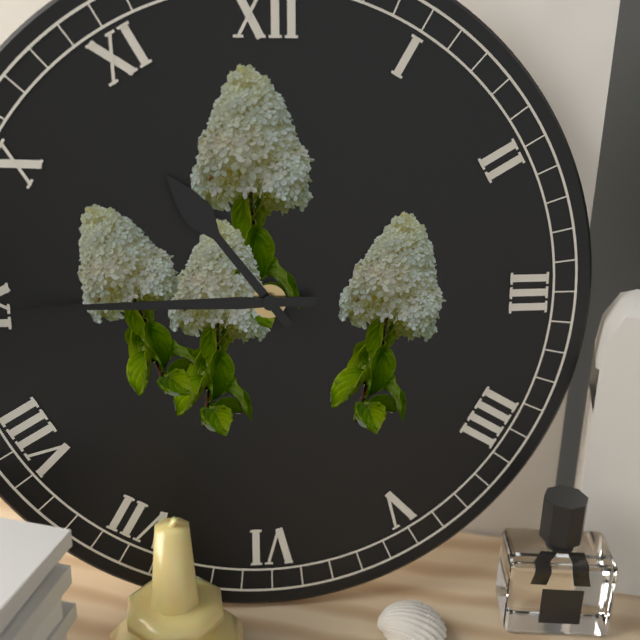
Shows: 10,45
